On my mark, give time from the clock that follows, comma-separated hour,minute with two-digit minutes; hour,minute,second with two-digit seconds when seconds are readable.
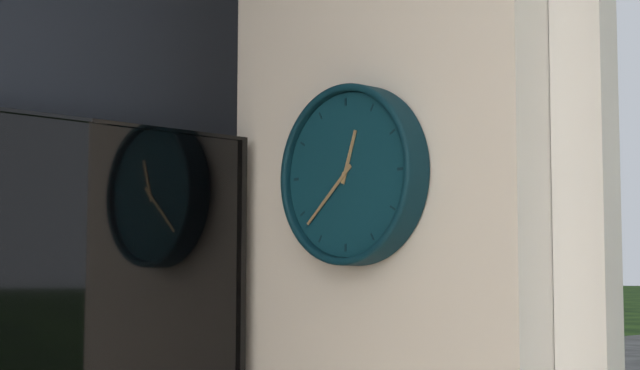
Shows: 12,38
